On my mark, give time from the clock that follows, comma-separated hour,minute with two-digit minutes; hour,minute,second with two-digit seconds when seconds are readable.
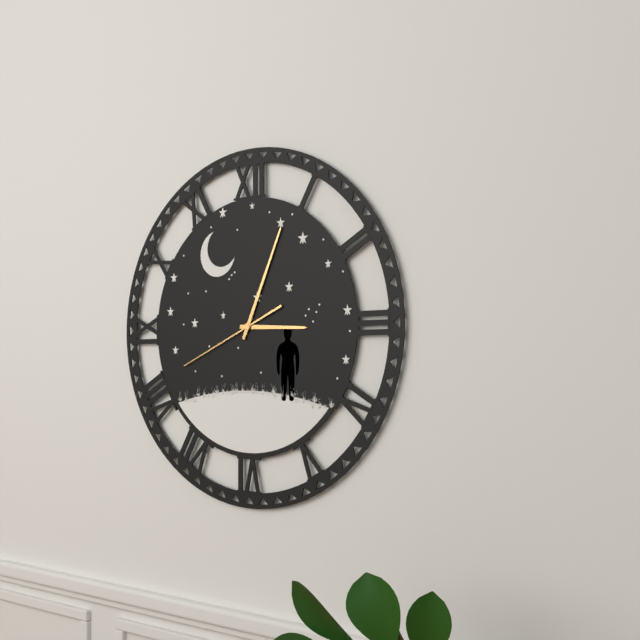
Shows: 3,04,41
